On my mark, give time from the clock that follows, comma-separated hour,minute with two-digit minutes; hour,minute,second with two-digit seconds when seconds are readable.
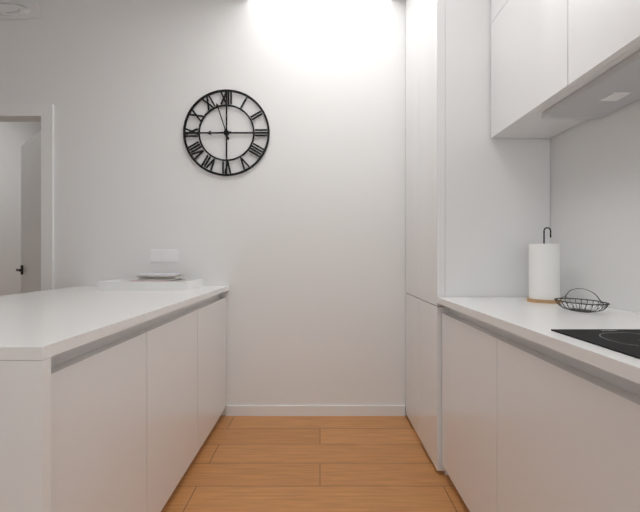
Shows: 8,57
